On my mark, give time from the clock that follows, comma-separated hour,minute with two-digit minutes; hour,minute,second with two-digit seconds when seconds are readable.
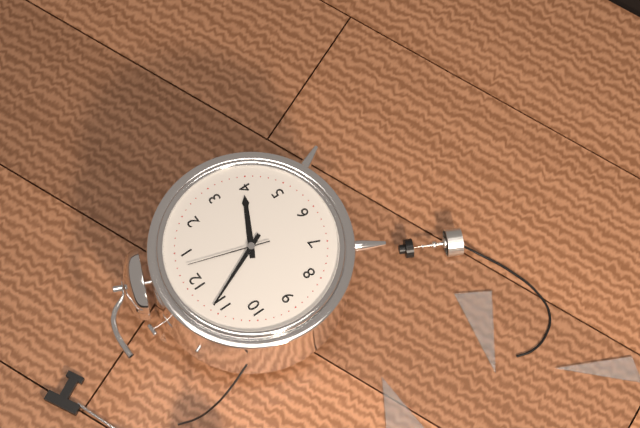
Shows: 3,56,03
